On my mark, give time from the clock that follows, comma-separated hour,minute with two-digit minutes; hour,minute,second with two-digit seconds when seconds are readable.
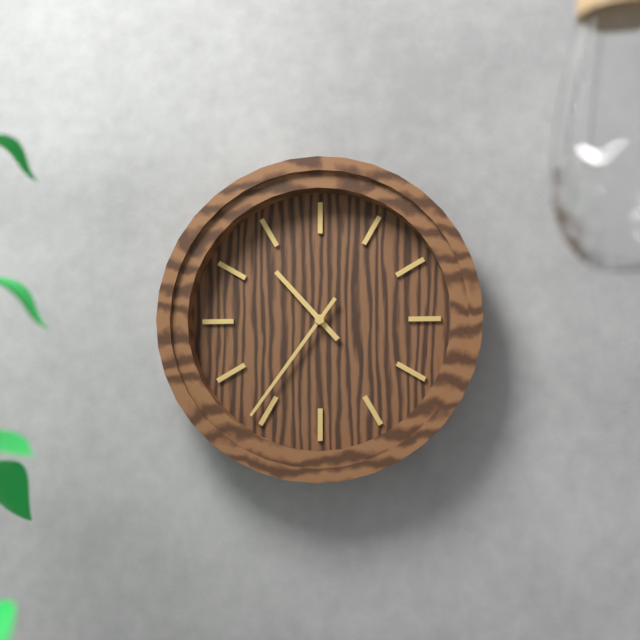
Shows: 10,36
